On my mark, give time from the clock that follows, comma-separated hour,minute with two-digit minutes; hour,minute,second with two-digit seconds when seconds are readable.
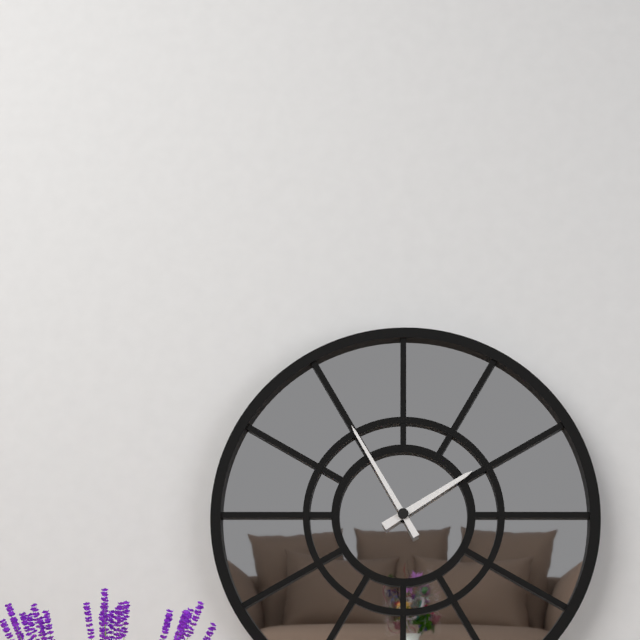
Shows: 1,55
